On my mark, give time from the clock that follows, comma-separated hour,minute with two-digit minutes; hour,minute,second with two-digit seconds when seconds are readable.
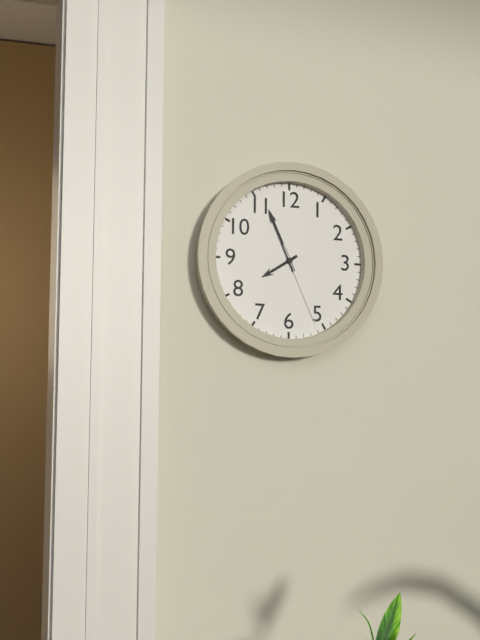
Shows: 7,56,26
